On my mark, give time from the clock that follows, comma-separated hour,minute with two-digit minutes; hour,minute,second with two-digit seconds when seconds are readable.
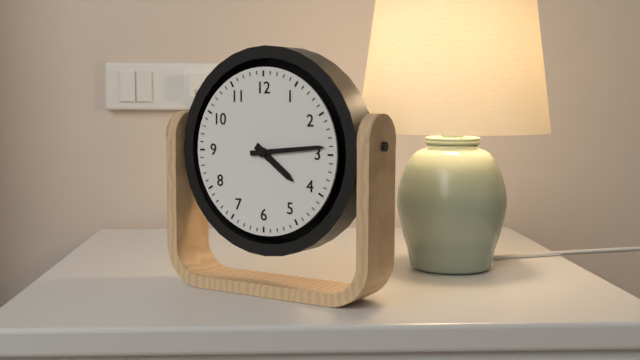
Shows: 4,14
